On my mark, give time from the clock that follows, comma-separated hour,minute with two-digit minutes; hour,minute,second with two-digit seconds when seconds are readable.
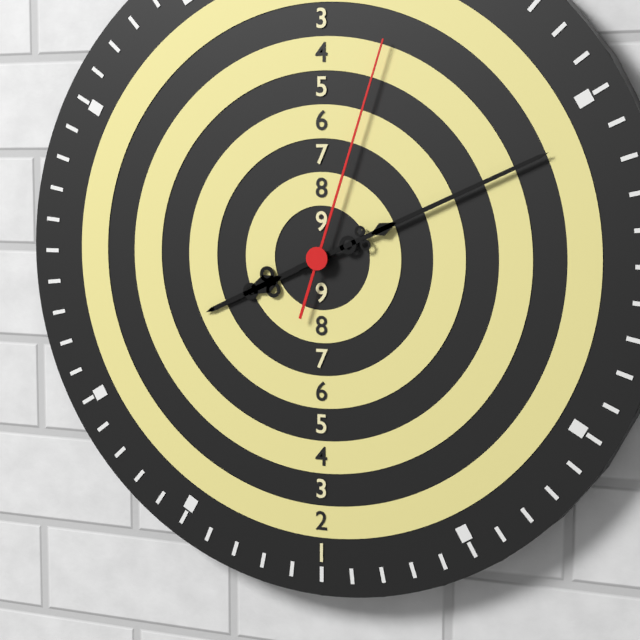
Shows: 8,11,03
